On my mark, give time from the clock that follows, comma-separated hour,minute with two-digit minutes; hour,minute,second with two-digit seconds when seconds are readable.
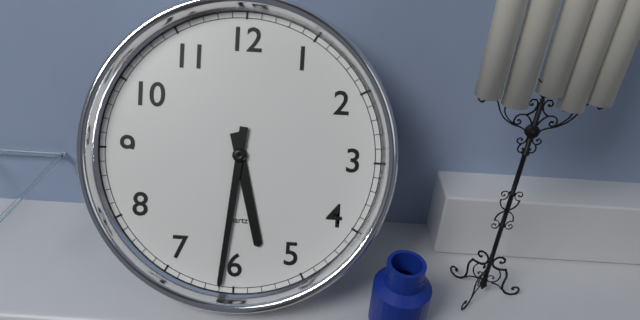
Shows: 5,31
